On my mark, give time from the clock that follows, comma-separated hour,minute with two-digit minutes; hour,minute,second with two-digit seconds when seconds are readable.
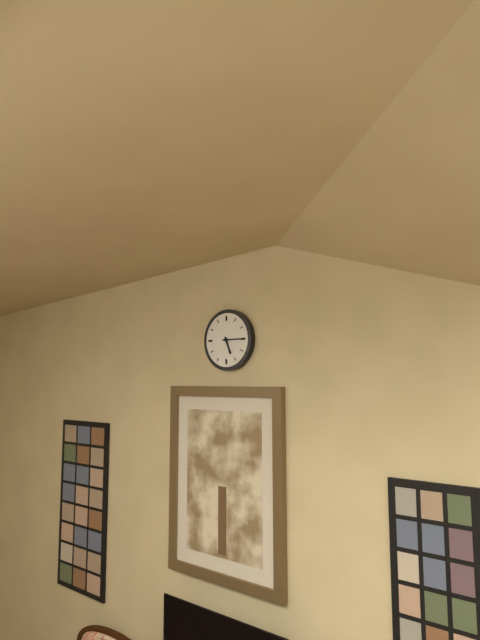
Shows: 5,15
